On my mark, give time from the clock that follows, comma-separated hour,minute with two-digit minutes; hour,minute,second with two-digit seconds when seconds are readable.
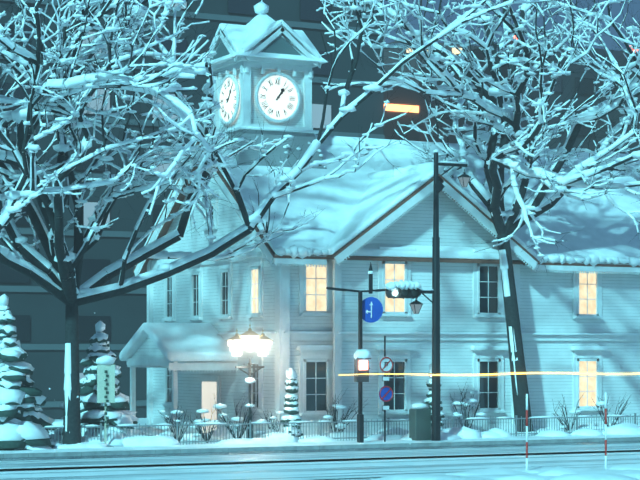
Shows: 1,07
